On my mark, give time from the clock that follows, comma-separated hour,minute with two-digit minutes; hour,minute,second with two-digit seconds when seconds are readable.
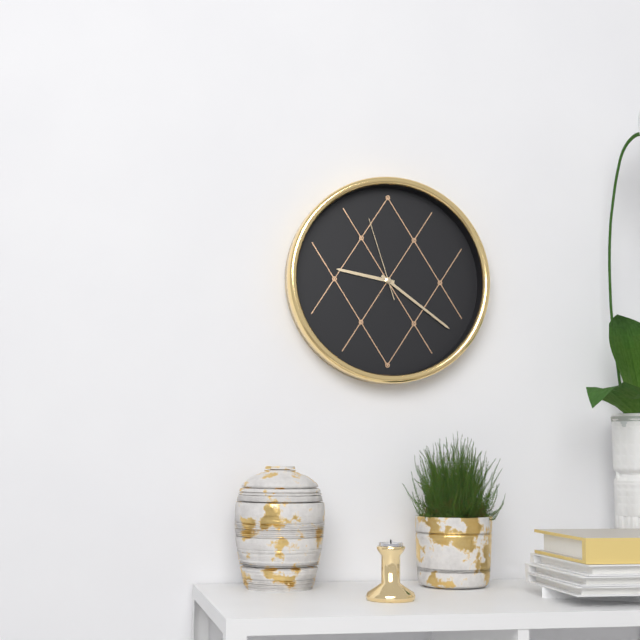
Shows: 9,21,57
